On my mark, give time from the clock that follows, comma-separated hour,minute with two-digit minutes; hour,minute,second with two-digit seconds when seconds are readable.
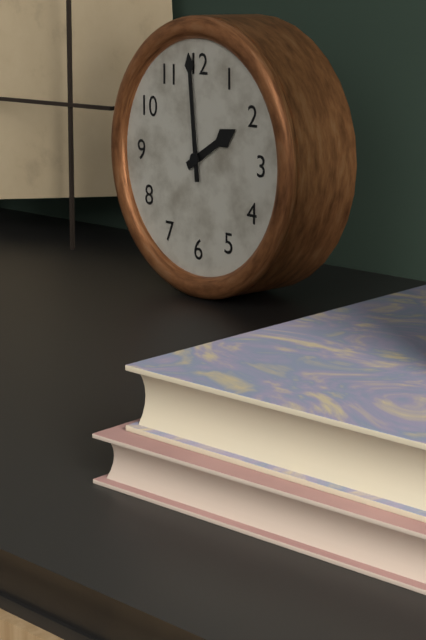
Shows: 1,59
